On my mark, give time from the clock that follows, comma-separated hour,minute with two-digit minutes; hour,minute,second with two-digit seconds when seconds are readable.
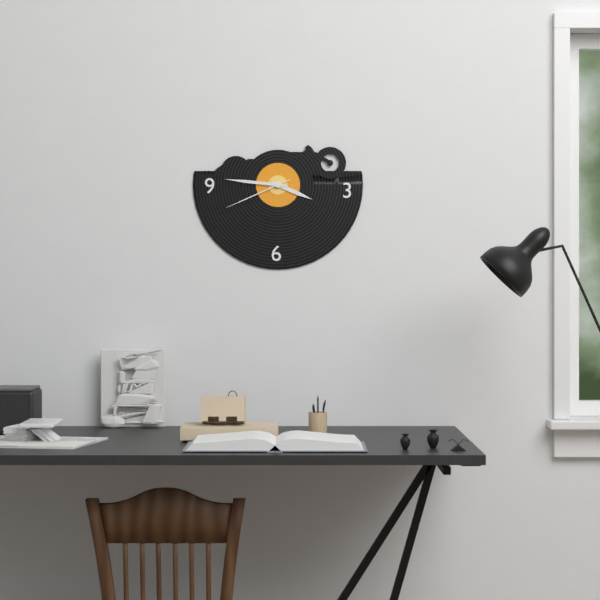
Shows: 3,46,41
